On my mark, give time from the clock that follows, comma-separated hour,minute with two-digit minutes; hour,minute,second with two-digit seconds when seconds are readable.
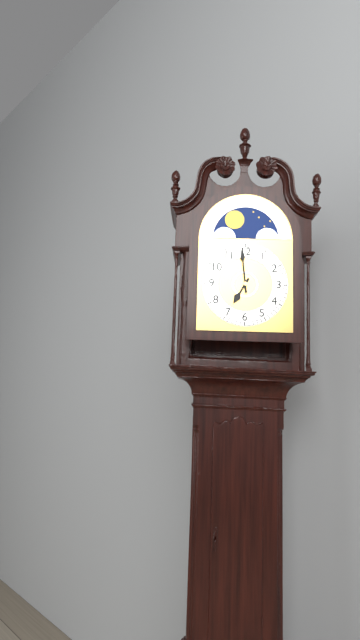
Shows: 6,59
